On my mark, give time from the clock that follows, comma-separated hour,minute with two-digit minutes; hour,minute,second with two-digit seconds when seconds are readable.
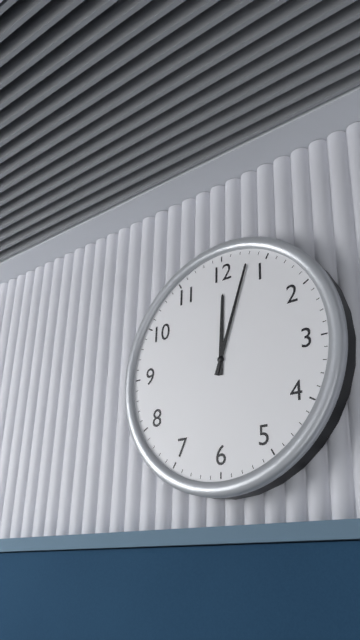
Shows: 12,03
